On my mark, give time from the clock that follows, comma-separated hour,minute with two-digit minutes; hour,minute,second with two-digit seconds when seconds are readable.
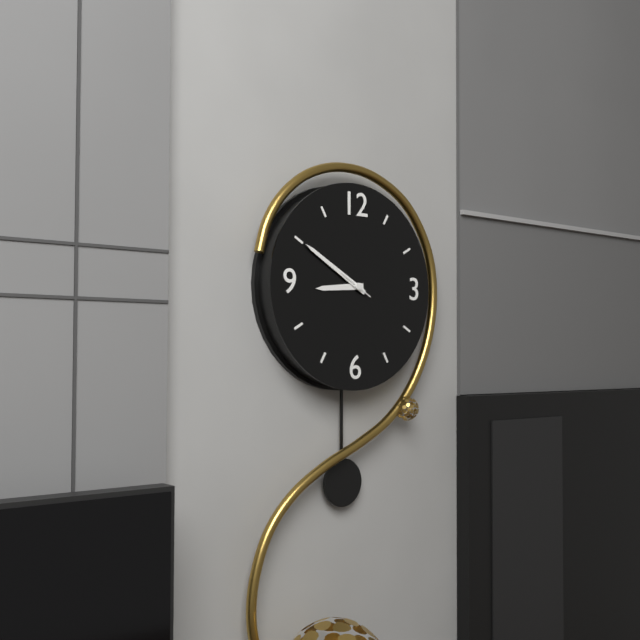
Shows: 8,50
